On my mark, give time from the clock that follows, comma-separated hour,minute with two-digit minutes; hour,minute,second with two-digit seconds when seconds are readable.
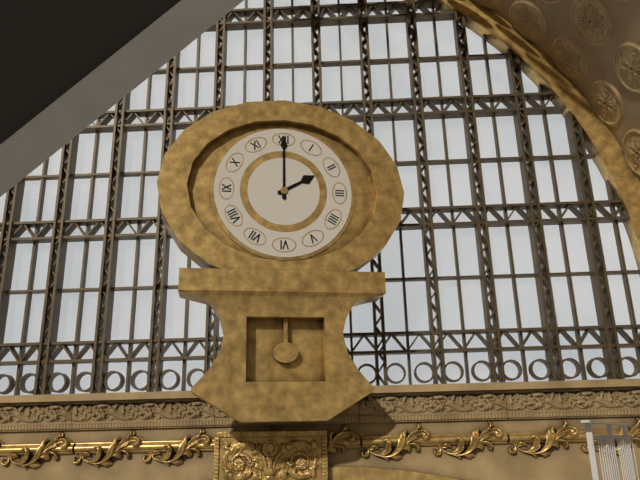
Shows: 2,00
